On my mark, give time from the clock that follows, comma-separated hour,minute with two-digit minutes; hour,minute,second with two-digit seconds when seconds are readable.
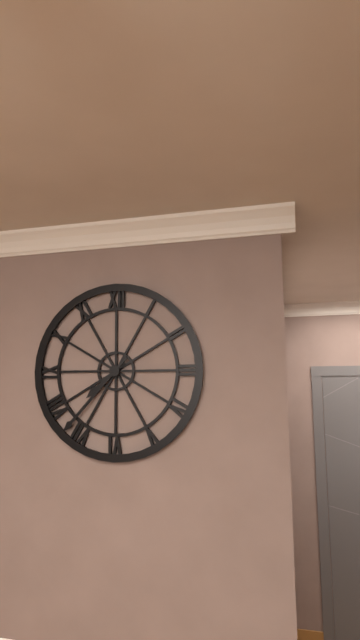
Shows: 7,37
